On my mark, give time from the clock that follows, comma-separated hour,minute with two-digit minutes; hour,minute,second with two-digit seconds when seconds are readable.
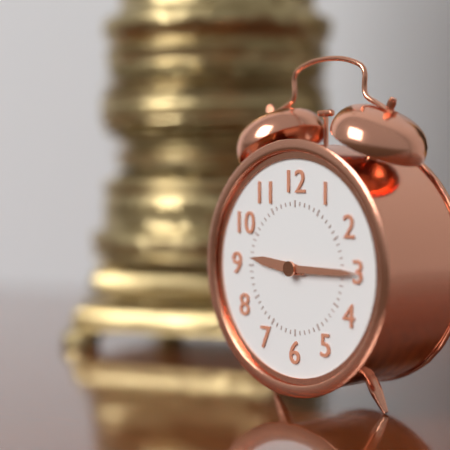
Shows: 9,15
